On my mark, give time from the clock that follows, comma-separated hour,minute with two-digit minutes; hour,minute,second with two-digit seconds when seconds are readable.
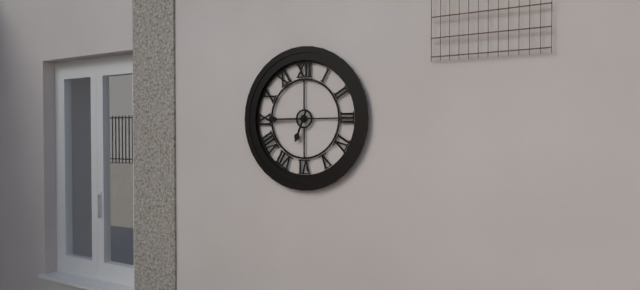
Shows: 6,45
